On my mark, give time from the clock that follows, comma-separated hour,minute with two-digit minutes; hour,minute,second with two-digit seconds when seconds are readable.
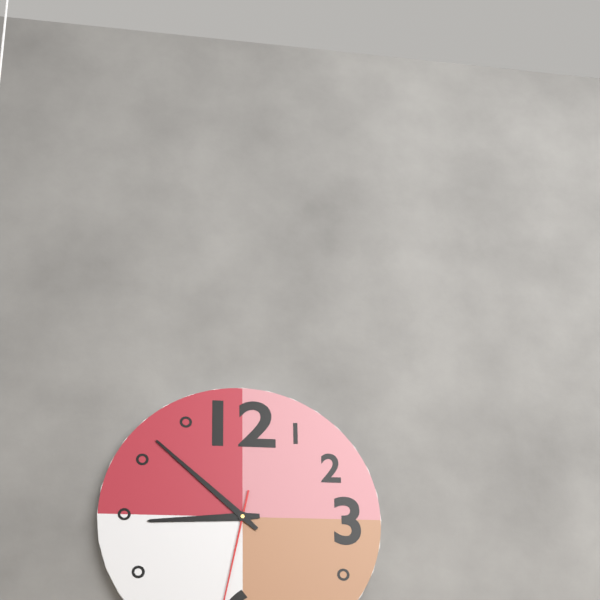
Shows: 8,52
